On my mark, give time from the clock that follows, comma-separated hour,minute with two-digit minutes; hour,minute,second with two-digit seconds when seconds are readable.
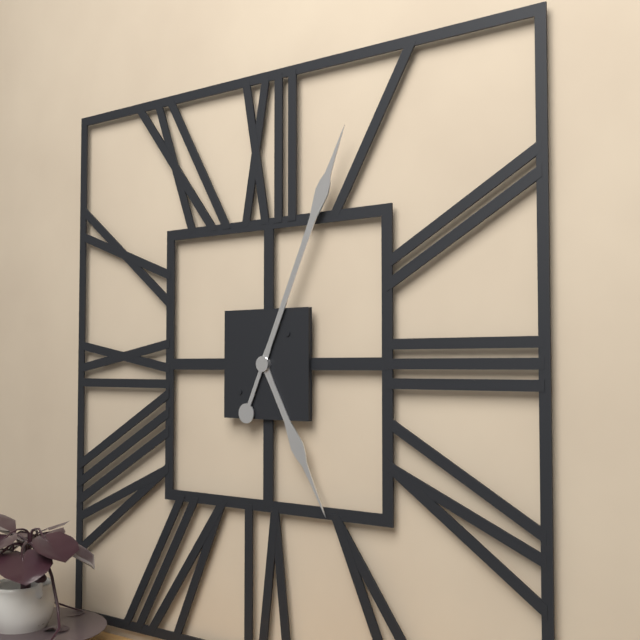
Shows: 5,04
